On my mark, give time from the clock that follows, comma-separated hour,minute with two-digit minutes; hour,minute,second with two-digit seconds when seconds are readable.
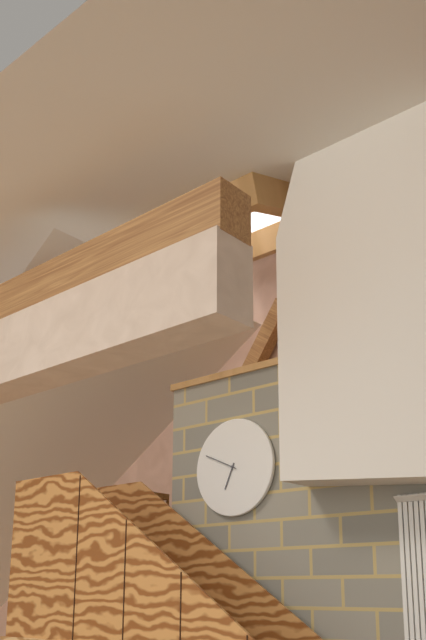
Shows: 6,49
